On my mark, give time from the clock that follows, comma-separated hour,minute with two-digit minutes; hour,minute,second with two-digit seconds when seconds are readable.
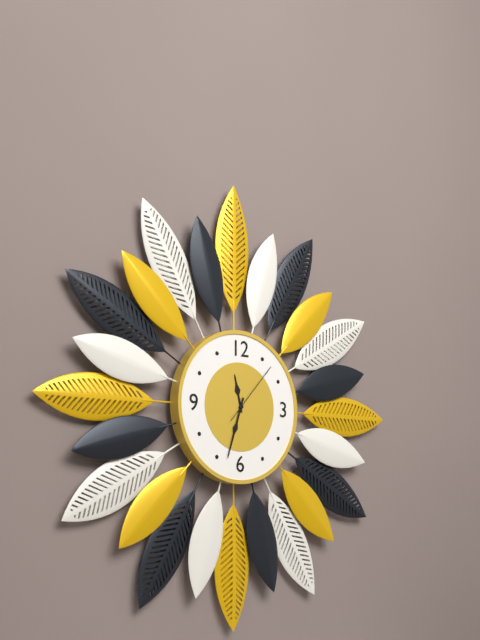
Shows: 11,33,07
